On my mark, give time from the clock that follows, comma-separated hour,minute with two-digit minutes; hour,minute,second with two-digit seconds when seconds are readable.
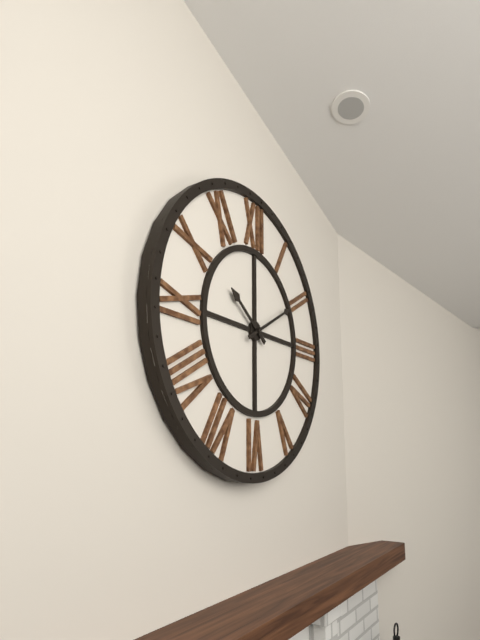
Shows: 10,10
